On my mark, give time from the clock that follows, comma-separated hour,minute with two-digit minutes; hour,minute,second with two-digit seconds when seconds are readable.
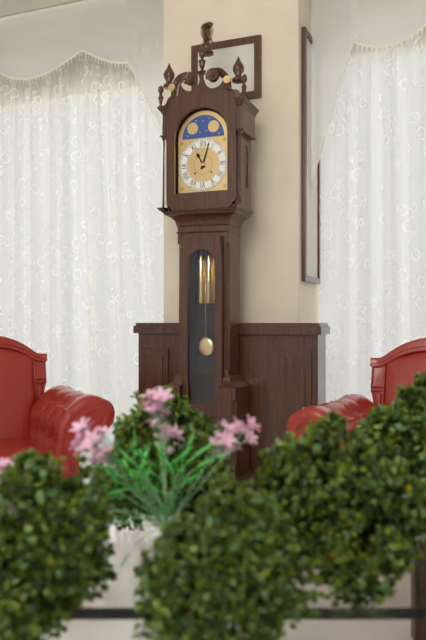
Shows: 11,03
